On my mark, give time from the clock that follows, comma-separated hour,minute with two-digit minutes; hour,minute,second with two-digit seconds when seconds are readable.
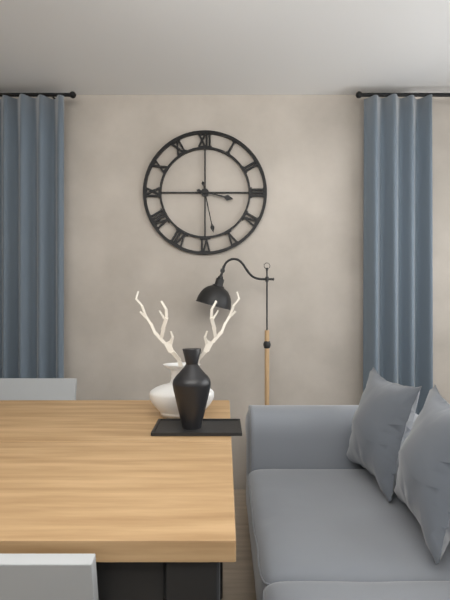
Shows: 3,28
